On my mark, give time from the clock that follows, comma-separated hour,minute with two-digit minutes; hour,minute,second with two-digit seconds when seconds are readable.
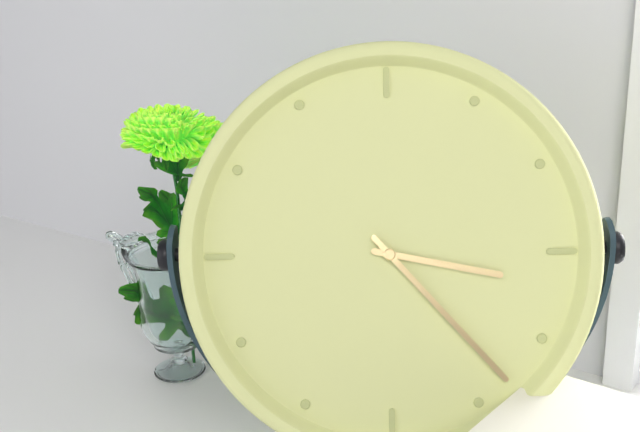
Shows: 3,23
